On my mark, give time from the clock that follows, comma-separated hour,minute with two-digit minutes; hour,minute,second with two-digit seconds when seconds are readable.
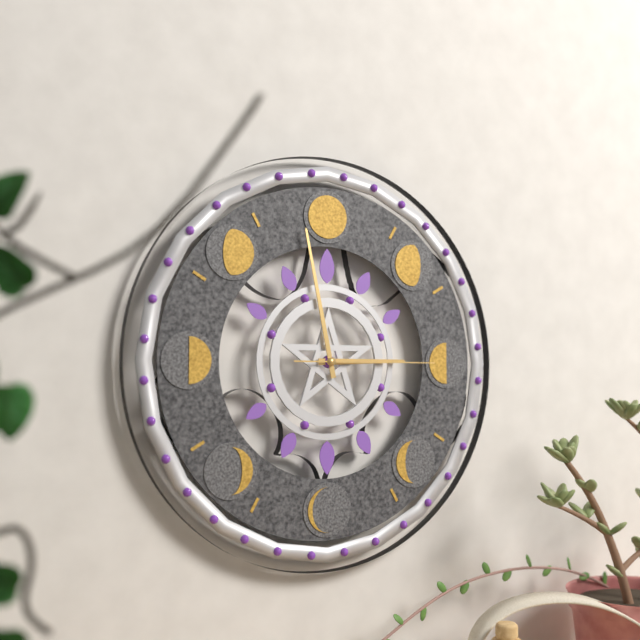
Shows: 2,58,15
